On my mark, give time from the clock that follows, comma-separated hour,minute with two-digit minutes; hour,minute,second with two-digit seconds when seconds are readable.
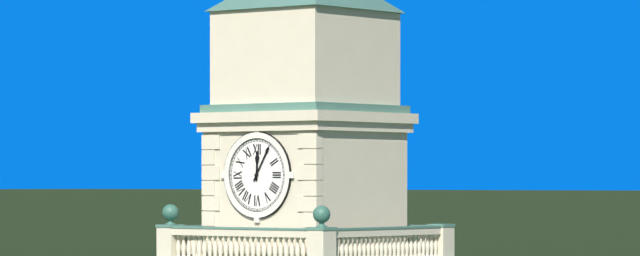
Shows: 12,05
